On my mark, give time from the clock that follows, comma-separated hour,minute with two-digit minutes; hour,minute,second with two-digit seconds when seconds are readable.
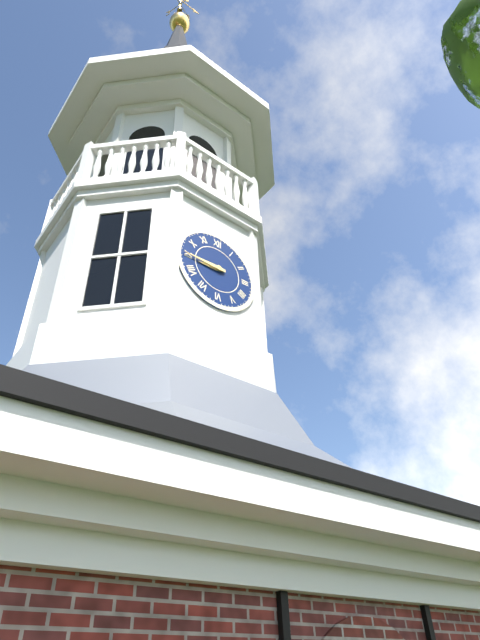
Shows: 8,45
